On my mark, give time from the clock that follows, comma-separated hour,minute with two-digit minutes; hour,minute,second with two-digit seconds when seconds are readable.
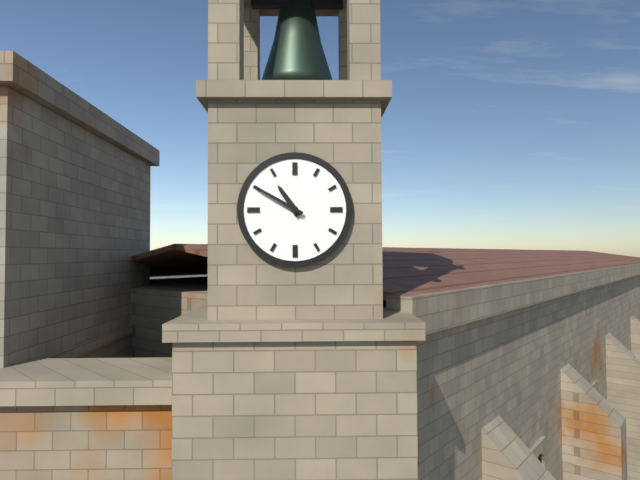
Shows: 10,50
